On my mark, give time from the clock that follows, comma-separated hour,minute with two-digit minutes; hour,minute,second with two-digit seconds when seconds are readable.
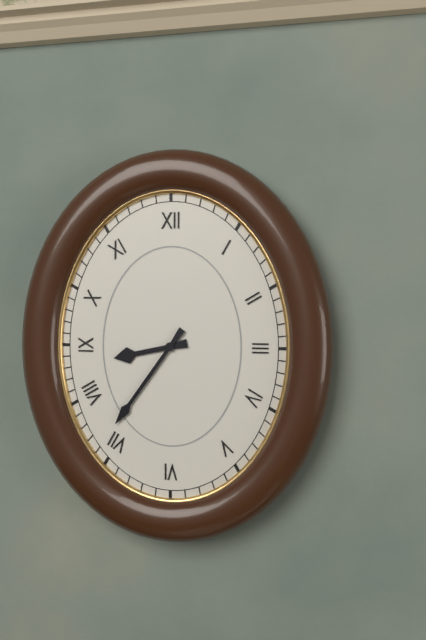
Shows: 8,36
